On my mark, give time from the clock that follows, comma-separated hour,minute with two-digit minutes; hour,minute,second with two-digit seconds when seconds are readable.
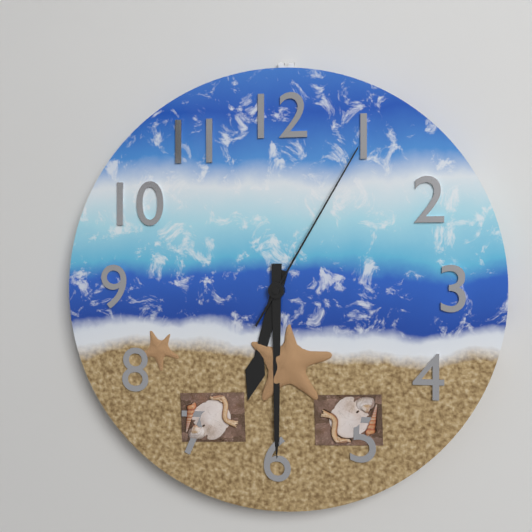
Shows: 6,30,05
